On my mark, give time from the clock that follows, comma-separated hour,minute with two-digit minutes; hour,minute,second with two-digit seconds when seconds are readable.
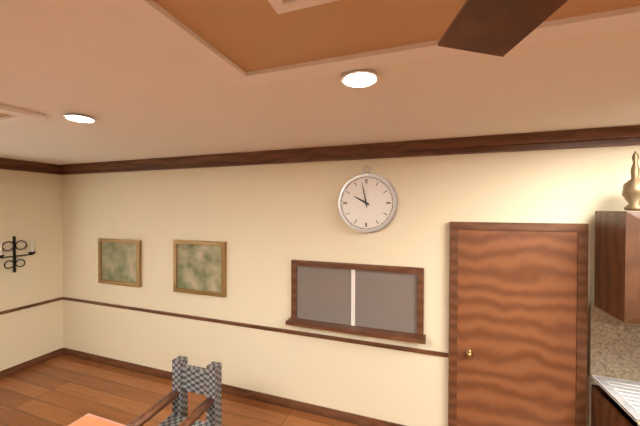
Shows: 9,58
